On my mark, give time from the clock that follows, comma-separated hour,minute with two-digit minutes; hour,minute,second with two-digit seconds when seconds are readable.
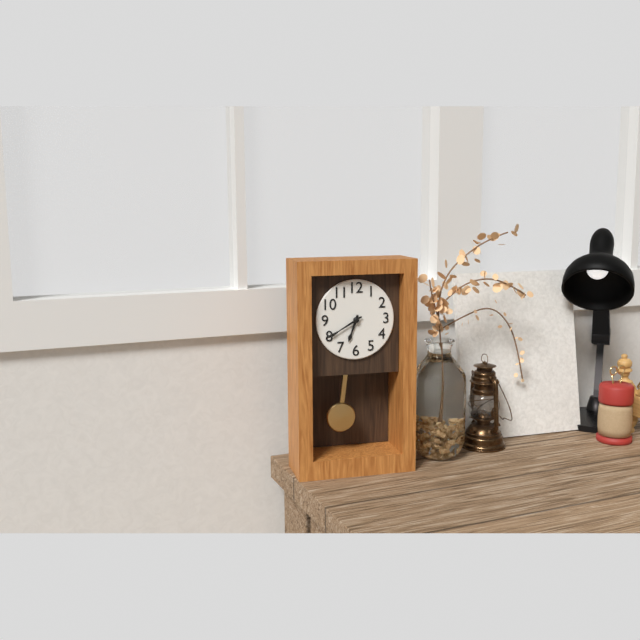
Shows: 6,40
